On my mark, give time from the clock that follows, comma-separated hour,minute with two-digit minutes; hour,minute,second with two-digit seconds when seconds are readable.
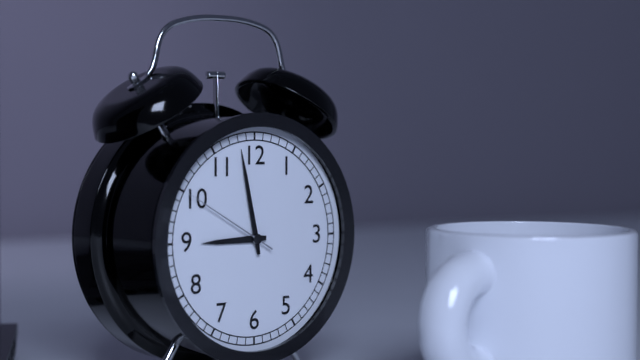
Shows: 8,58,50
